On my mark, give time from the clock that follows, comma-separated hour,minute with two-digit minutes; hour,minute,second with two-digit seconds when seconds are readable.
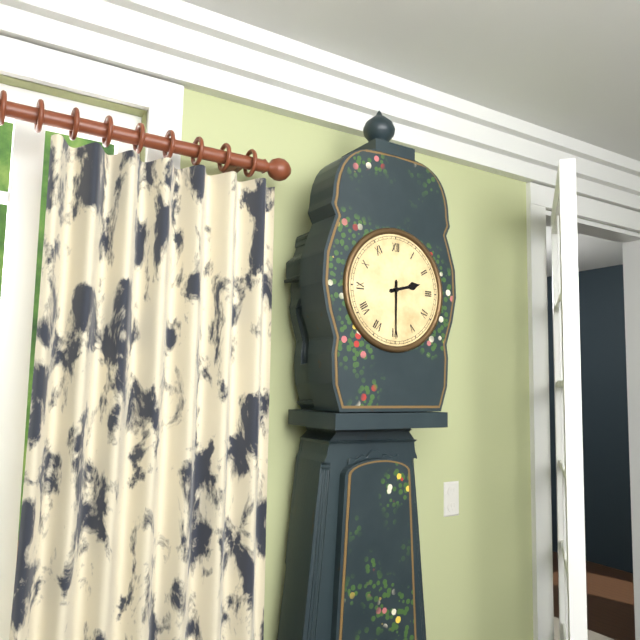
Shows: 2,30
